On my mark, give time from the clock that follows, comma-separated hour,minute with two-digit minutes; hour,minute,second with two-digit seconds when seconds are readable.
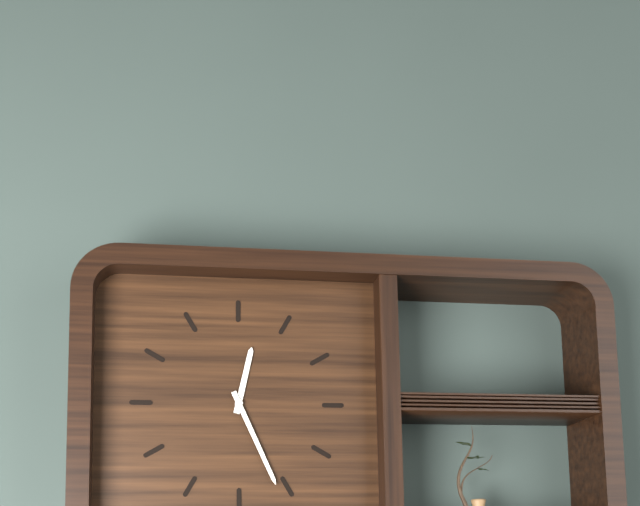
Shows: 12,26
